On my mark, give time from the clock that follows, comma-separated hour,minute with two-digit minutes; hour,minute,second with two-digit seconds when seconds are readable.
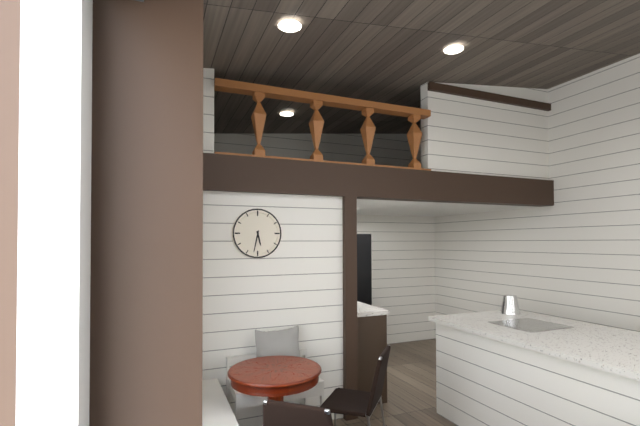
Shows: 5,32
